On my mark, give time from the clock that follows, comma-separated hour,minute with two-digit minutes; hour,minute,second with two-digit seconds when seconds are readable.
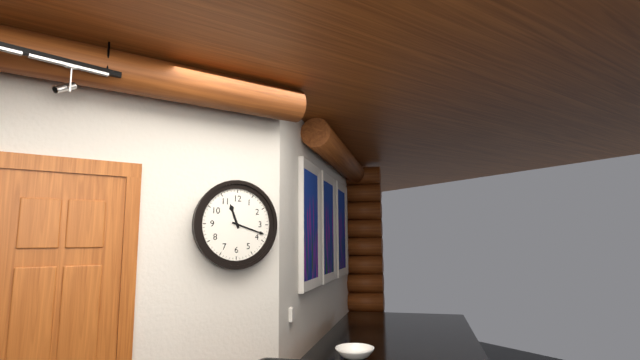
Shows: 11,18
